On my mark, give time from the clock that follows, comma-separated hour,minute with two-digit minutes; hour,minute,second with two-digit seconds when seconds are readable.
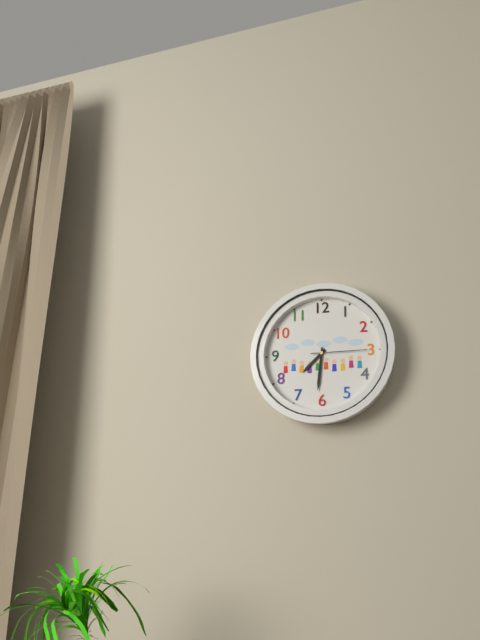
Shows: 7,31,15
